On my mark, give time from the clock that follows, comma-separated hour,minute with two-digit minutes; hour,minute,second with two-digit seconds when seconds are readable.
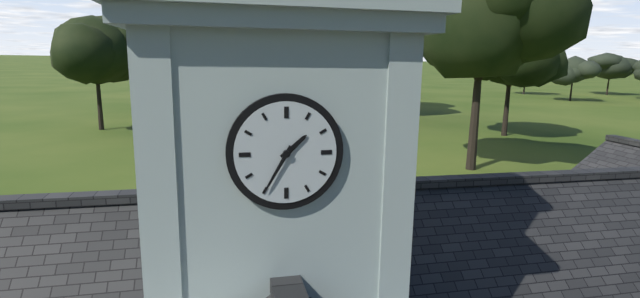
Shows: 1,35
